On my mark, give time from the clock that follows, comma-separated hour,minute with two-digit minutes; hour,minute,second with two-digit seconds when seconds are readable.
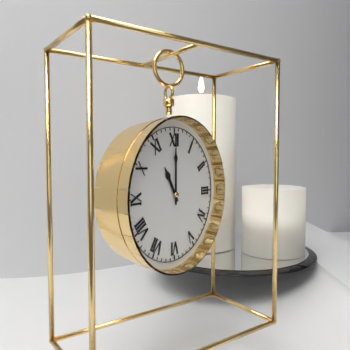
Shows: 11,00
